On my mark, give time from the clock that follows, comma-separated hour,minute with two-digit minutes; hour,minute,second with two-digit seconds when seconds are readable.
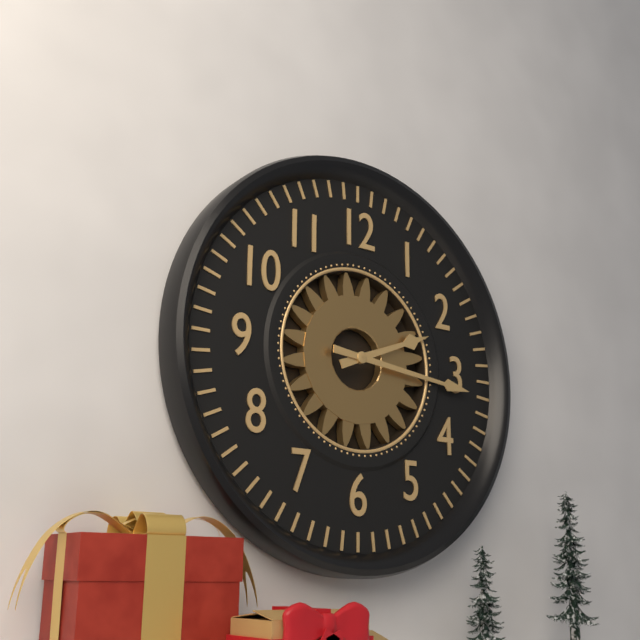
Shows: 2,16
